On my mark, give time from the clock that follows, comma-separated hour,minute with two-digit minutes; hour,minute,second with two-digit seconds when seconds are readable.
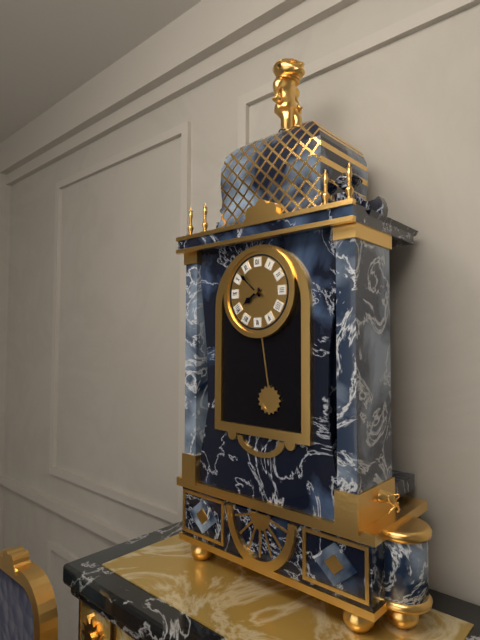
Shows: 7,52
